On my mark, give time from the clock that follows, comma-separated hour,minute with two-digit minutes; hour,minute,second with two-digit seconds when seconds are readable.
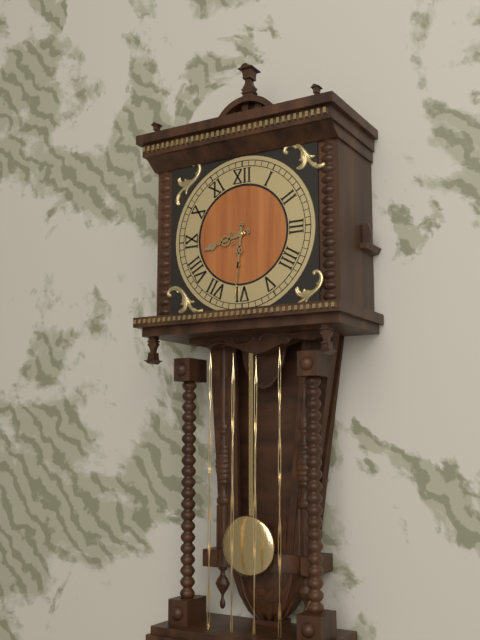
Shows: 8,31
